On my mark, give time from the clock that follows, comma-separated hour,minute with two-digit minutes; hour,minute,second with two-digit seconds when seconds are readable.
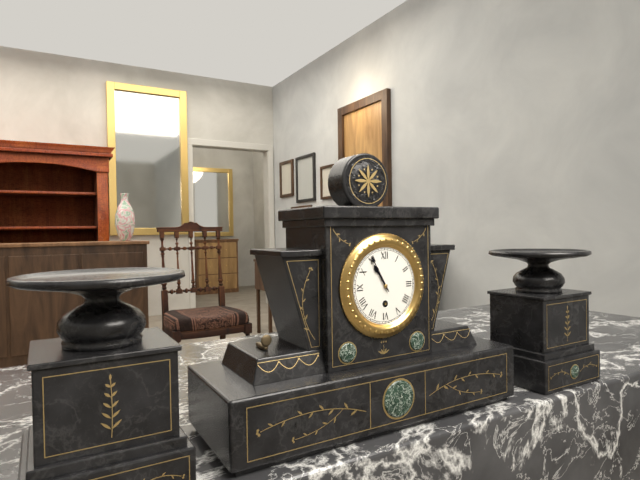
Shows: 10,55
